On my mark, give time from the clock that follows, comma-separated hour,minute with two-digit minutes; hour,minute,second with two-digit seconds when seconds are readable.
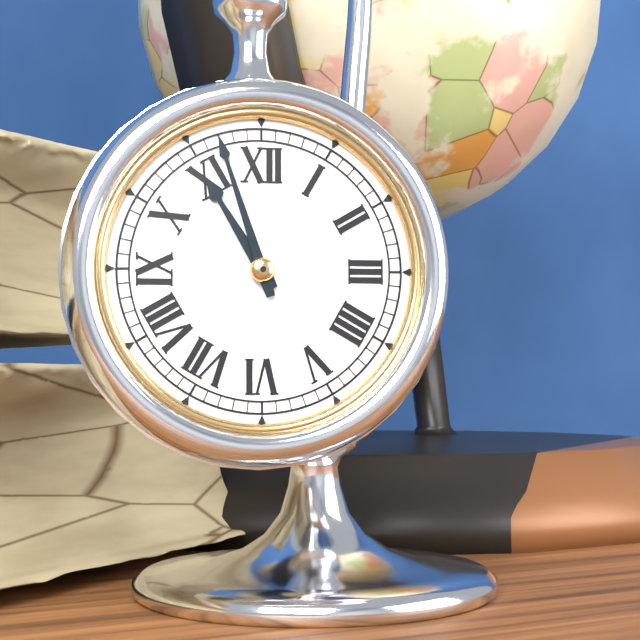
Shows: 10,57
